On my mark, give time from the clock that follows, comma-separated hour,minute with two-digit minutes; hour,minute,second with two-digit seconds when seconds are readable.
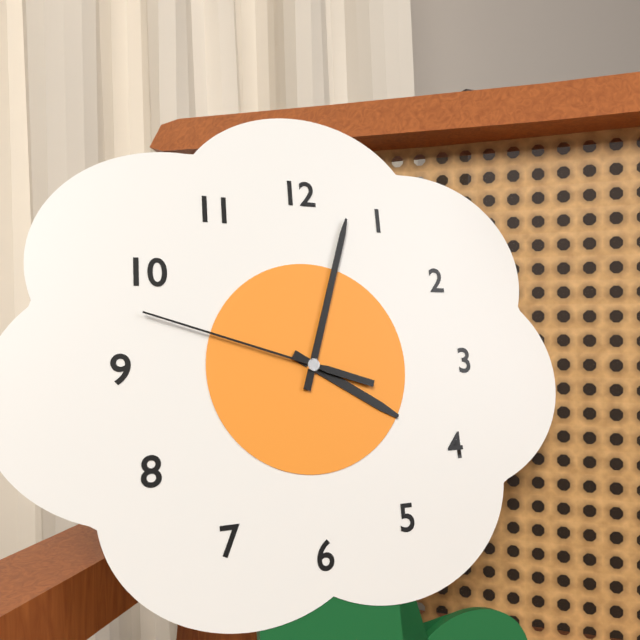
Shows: 4,03,48
